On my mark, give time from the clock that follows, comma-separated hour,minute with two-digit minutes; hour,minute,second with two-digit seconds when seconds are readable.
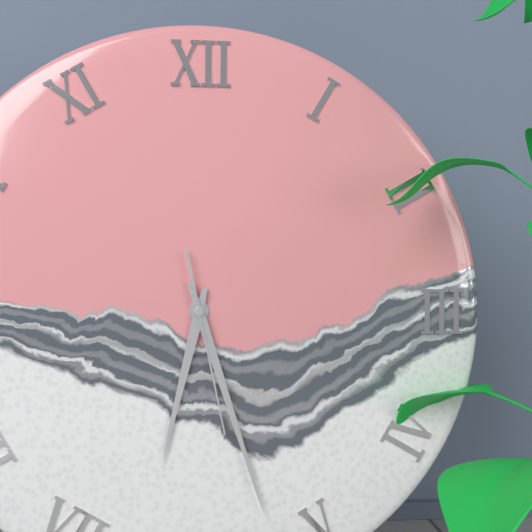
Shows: 6,27,28
